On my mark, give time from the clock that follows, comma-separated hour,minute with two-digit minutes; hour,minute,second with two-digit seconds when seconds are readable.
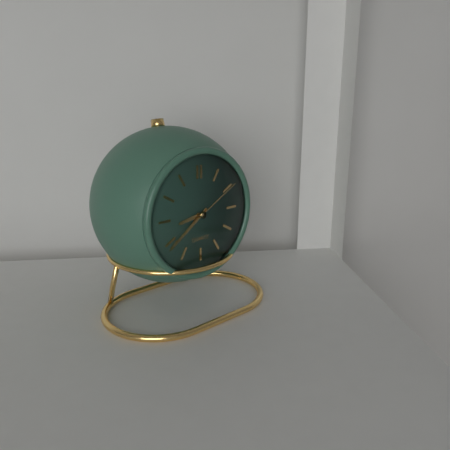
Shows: 8,39,10
